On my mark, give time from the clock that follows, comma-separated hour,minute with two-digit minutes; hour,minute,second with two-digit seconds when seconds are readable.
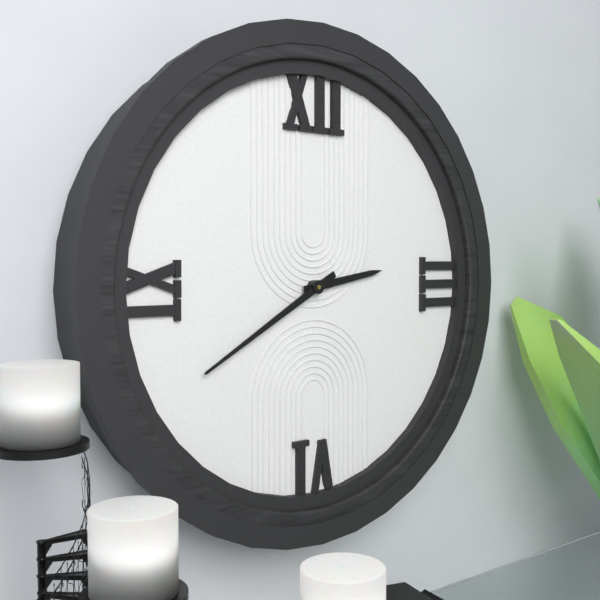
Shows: 2,40
